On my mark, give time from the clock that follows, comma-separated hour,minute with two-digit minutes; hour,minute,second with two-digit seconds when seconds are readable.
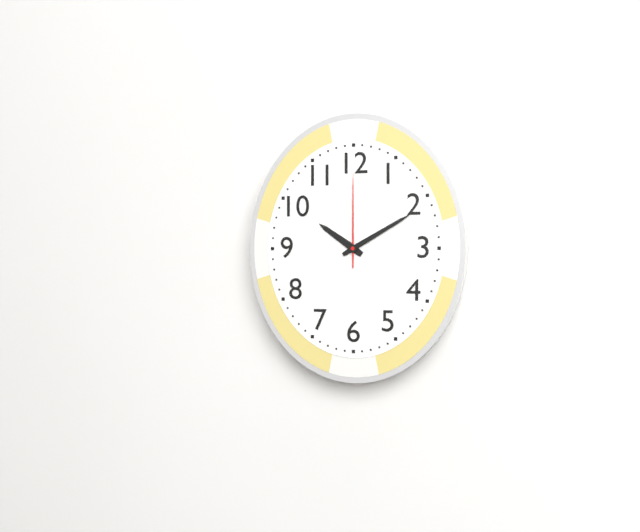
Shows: 10,10,00
